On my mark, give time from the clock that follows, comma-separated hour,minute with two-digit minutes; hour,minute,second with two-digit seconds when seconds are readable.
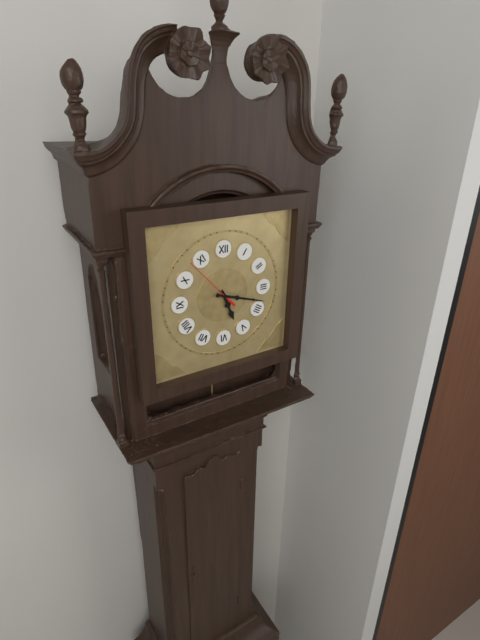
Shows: 5,18,53
